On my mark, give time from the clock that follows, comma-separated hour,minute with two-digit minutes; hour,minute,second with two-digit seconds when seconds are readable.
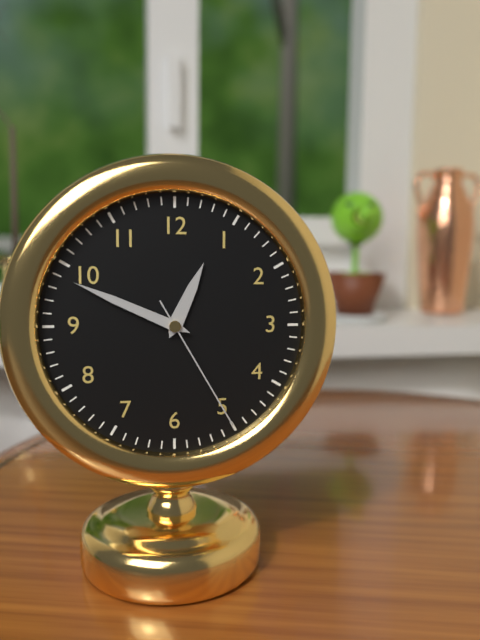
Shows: 12,49,25
